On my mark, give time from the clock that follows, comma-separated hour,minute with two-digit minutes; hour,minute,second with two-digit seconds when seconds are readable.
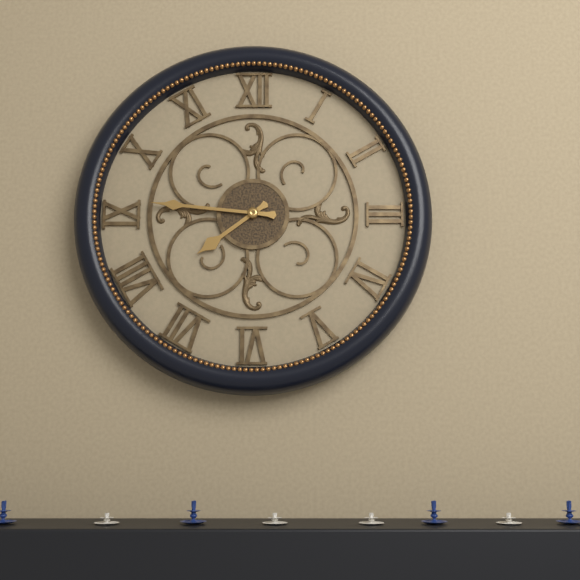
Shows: 7,46
